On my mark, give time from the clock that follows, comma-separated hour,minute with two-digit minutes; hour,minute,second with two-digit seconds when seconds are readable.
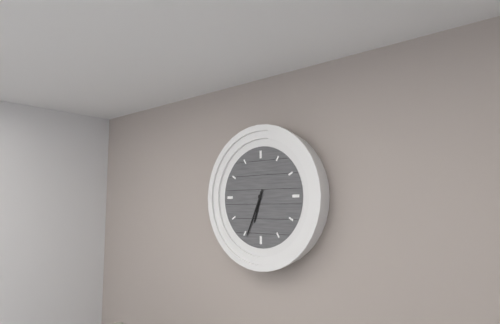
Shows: 6,34
